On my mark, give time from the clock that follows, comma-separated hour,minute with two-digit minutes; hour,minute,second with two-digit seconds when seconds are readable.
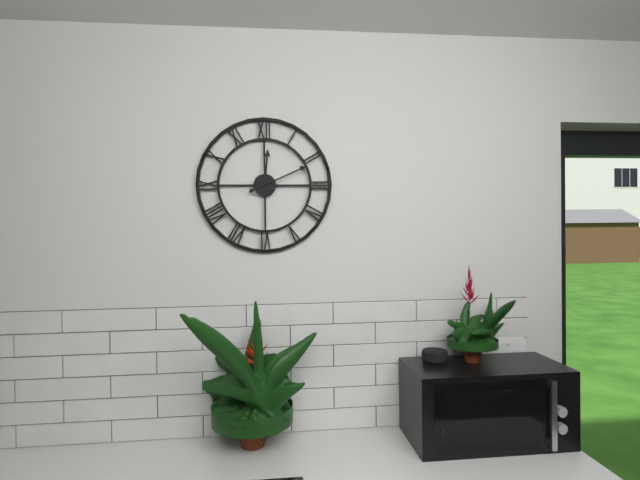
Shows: 12,11
